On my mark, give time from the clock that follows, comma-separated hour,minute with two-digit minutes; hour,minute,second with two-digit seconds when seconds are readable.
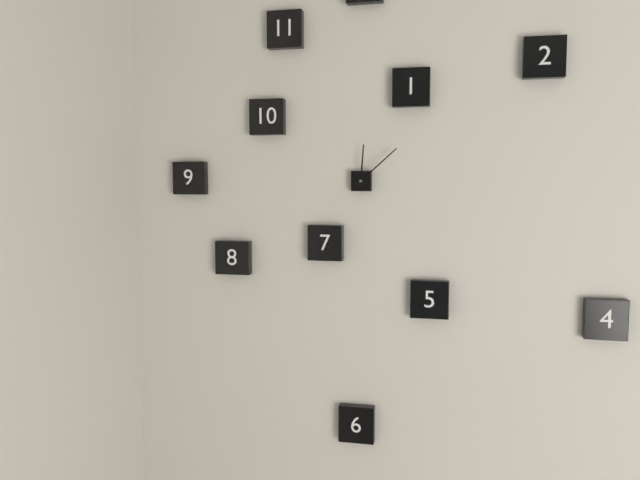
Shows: 12,08
